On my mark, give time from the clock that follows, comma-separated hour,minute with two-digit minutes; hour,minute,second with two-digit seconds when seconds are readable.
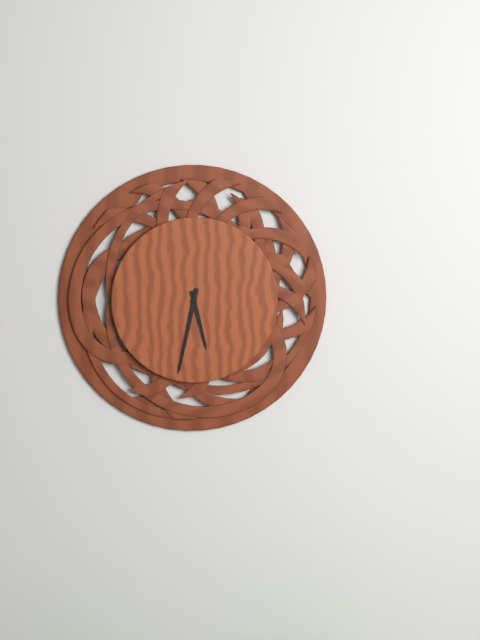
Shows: 5,32
